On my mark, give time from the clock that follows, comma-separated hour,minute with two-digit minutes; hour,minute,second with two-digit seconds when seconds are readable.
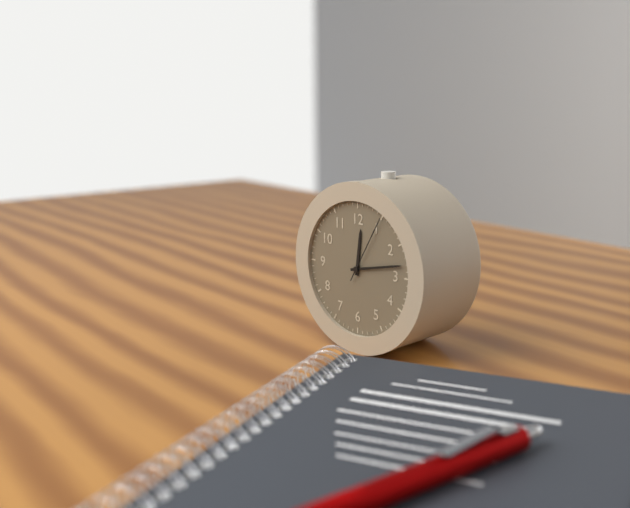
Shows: 12,13,05
